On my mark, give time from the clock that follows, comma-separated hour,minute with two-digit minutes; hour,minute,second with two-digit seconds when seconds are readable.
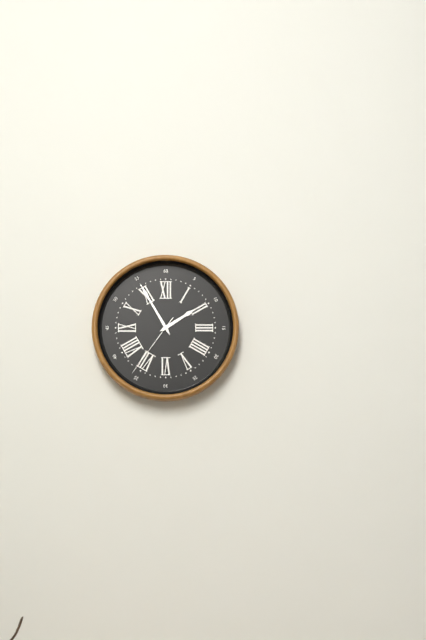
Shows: 1,55,36
